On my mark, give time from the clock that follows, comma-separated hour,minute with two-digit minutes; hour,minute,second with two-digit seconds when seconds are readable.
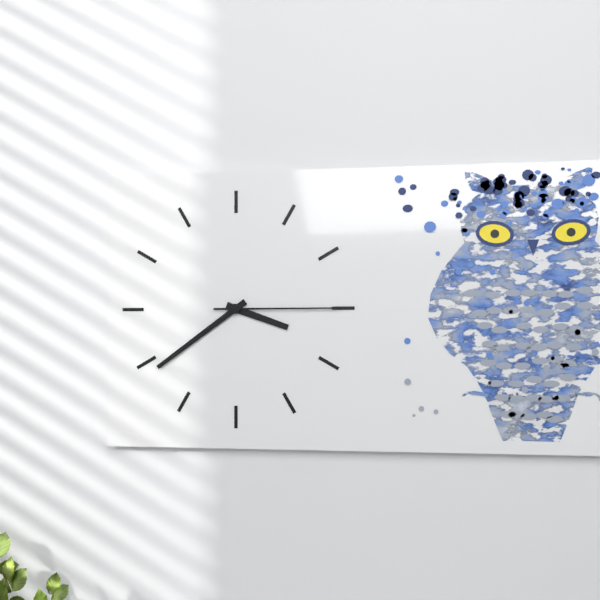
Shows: 3,39,15
